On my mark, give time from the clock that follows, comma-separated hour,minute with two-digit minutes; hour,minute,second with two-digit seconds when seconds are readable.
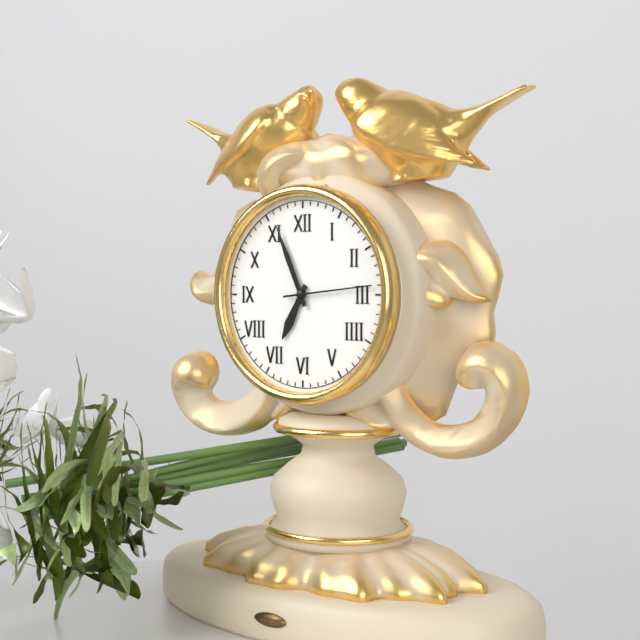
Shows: 6,56,14
